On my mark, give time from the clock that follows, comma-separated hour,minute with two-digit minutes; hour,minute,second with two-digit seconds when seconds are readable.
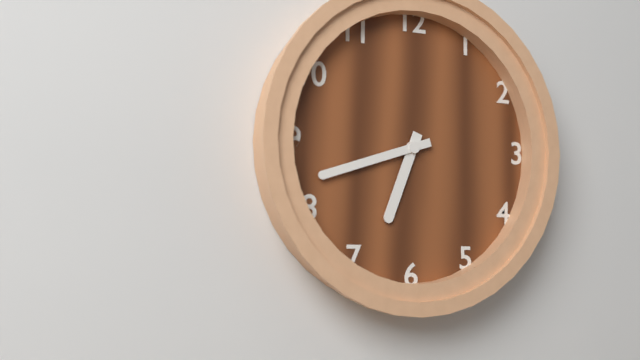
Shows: 6,42
